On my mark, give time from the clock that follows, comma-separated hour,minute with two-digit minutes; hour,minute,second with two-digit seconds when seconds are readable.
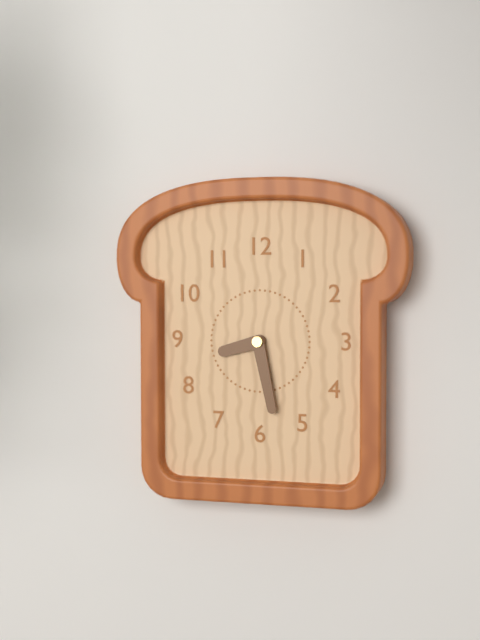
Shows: 8,28
